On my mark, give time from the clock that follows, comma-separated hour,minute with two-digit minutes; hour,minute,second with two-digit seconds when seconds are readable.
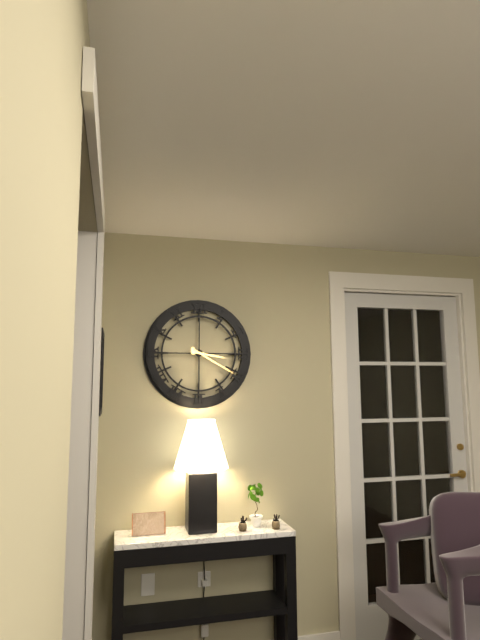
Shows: 3,20
